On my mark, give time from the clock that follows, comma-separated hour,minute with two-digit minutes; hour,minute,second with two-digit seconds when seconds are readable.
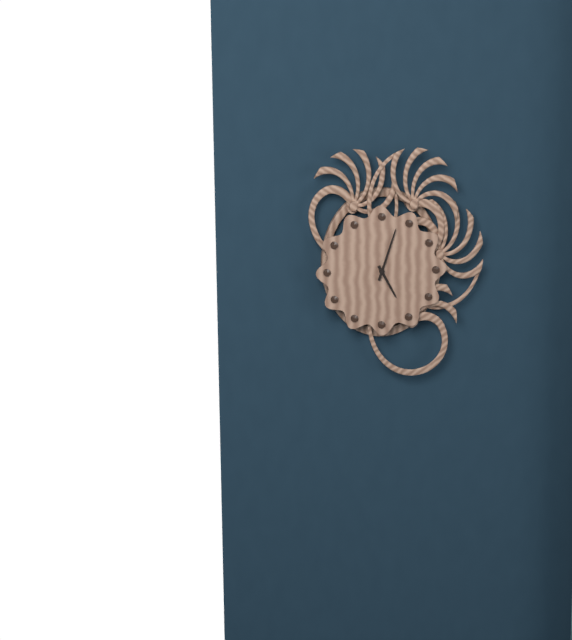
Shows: 5,03
